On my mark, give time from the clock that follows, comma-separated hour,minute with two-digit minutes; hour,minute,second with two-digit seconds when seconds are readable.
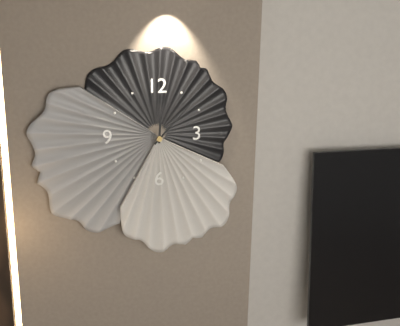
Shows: 12,07
